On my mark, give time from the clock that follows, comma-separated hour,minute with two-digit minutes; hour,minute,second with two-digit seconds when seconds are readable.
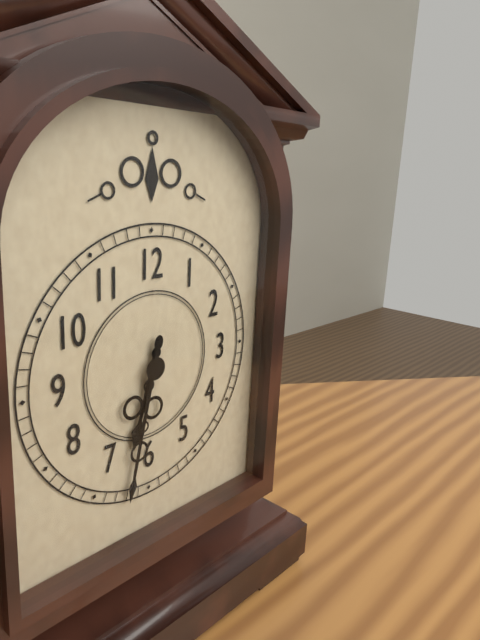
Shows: 6,32
